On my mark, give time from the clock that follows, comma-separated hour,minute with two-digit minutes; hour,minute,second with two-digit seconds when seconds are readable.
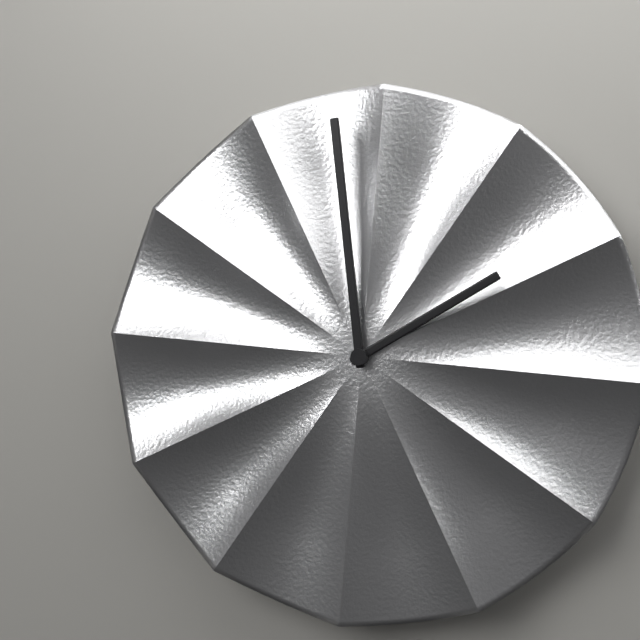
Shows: 1,59
